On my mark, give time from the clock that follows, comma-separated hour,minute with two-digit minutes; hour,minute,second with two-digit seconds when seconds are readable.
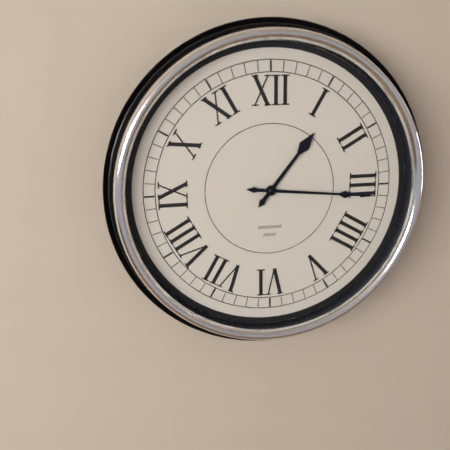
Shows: 1,16
